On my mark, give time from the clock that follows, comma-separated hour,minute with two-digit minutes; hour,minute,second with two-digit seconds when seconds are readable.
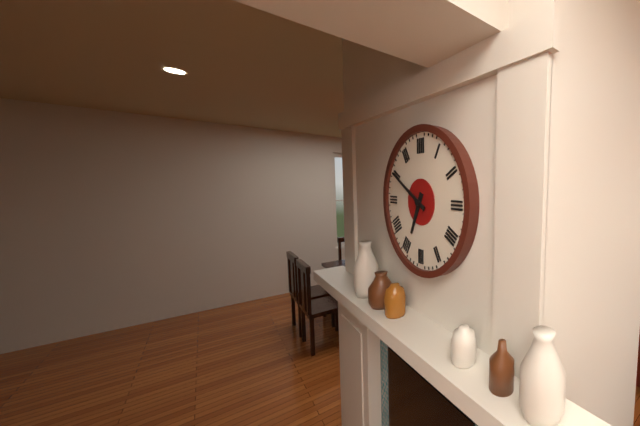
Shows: 6,50
